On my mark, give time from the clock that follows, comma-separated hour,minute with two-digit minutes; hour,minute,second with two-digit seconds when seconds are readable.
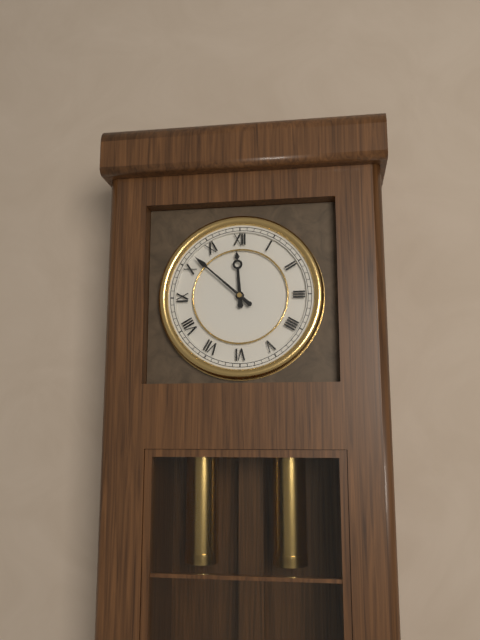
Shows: 11,52
